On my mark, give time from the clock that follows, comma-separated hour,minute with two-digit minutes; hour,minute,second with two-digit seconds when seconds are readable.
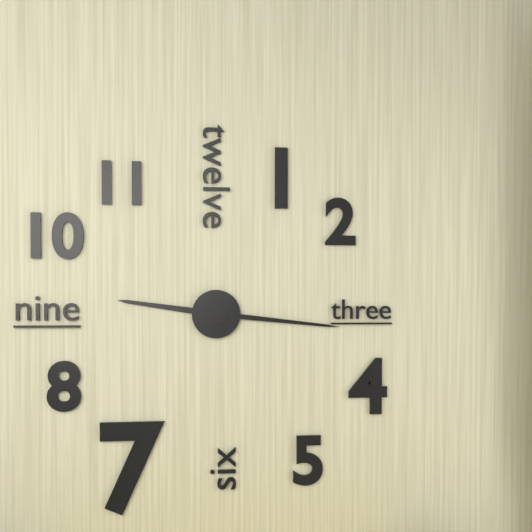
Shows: 9,16
